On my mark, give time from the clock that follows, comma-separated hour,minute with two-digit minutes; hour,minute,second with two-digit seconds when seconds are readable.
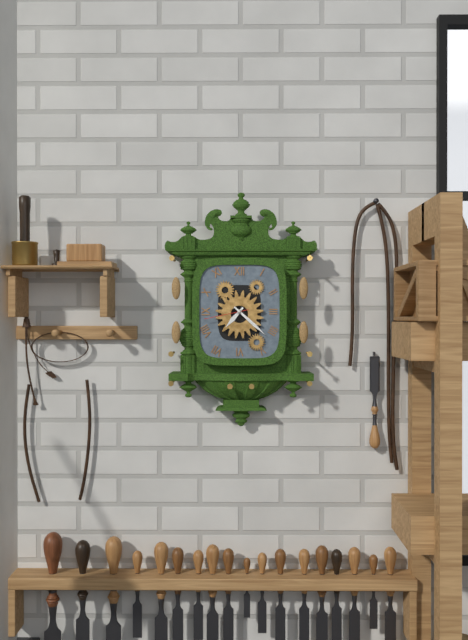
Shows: 7,22
